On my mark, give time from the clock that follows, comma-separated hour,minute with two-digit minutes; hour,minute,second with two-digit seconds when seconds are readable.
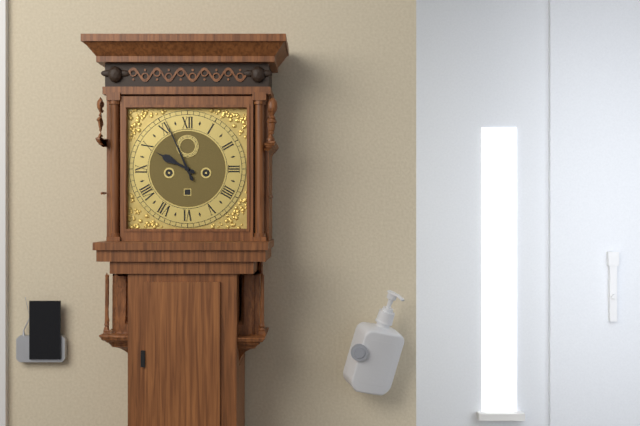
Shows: 9,56
